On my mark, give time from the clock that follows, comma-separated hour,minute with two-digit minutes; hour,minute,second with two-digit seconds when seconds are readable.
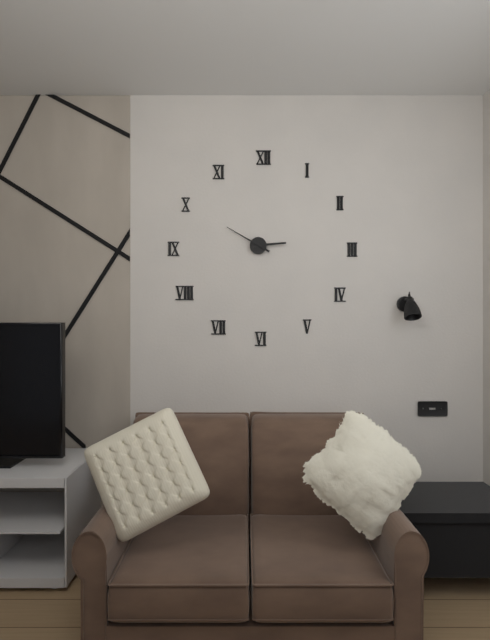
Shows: 2,50
